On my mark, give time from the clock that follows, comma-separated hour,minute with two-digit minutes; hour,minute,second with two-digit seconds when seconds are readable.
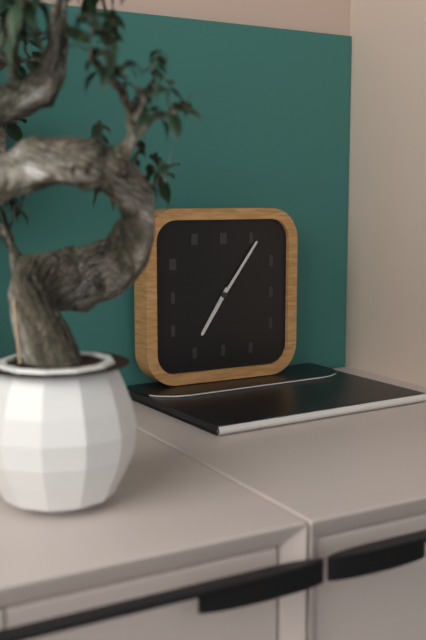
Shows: 7,06
